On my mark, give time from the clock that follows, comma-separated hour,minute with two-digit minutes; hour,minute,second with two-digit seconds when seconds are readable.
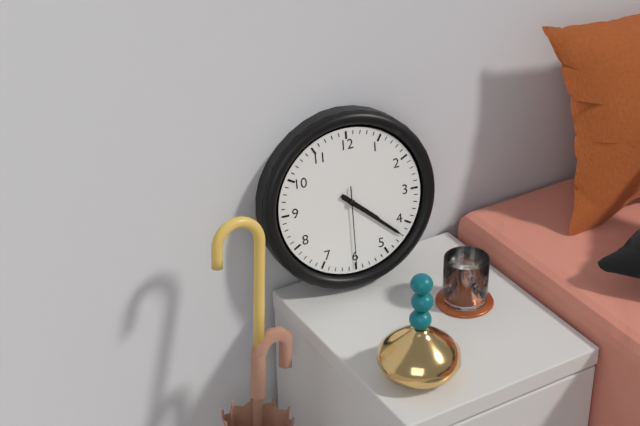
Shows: 4,22,30
